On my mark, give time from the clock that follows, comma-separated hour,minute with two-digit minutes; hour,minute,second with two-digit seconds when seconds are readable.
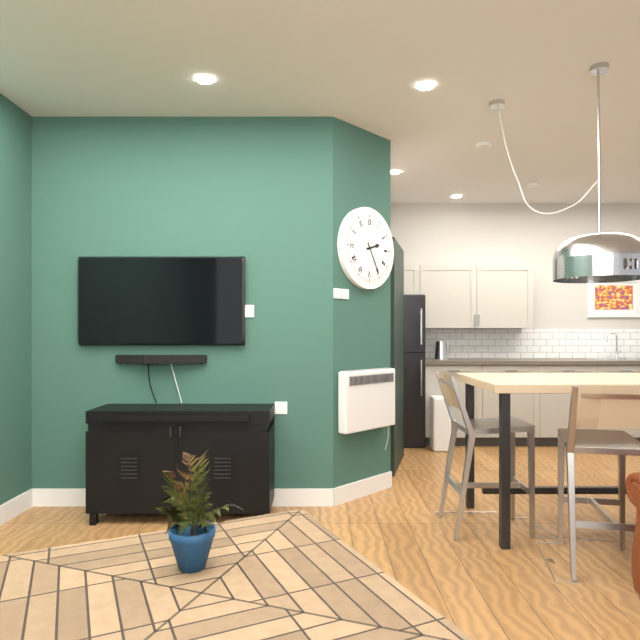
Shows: 2,25
